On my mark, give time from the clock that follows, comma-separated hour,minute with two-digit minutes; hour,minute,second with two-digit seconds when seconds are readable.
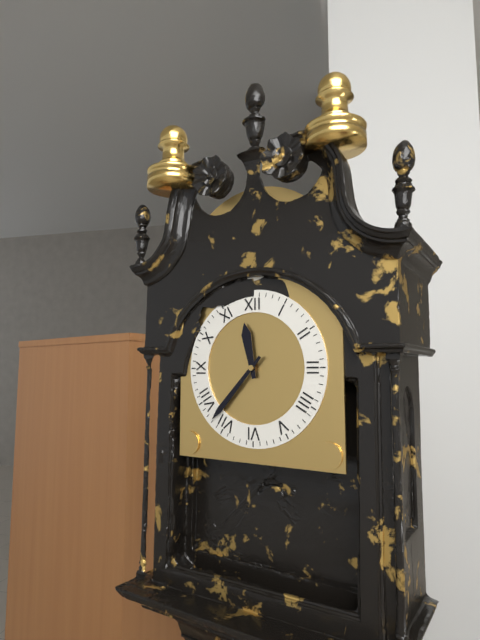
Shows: 11,37
